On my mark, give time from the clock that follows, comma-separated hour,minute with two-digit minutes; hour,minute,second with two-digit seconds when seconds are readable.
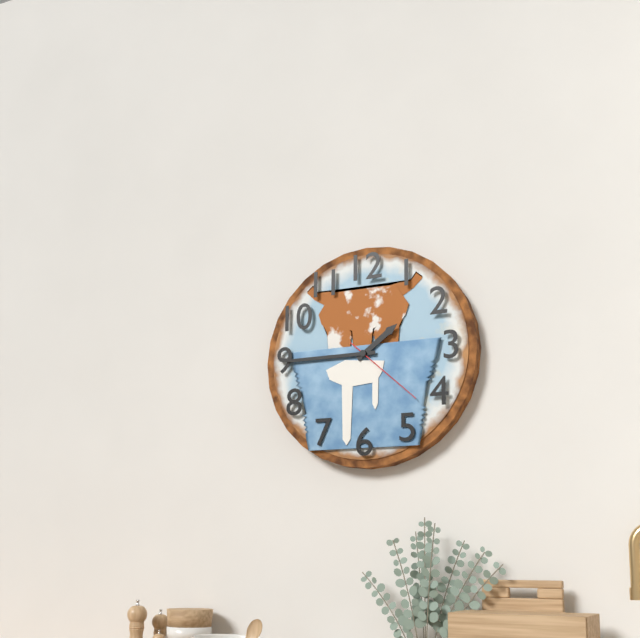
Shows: 1,45,22
